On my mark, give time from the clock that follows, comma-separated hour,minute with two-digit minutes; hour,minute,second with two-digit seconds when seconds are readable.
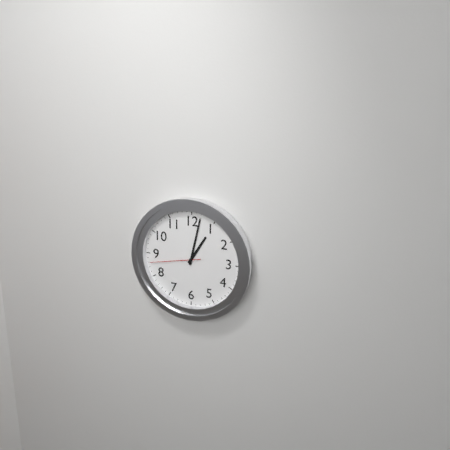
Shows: 1,02,43
